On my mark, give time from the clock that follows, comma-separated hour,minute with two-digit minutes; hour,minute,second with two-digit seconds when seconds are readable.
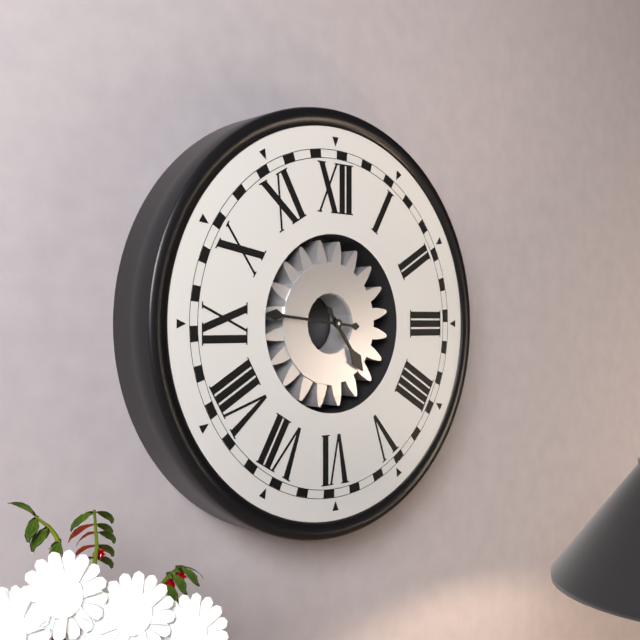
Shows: 4,46
